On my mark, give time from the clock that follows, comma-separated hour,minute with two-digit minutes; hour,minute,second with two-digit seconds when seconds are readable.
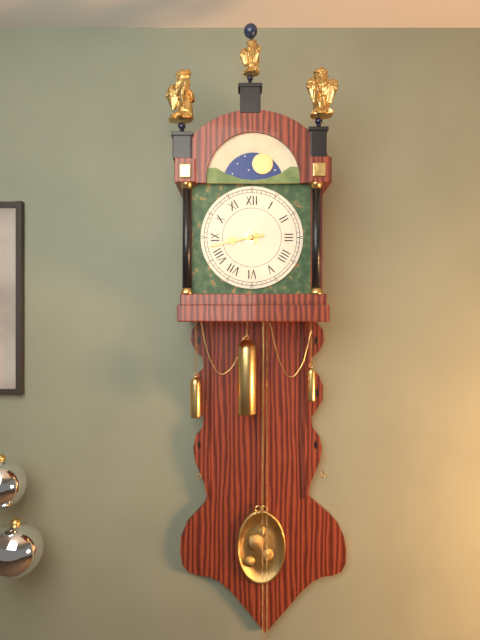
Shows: 8,43
